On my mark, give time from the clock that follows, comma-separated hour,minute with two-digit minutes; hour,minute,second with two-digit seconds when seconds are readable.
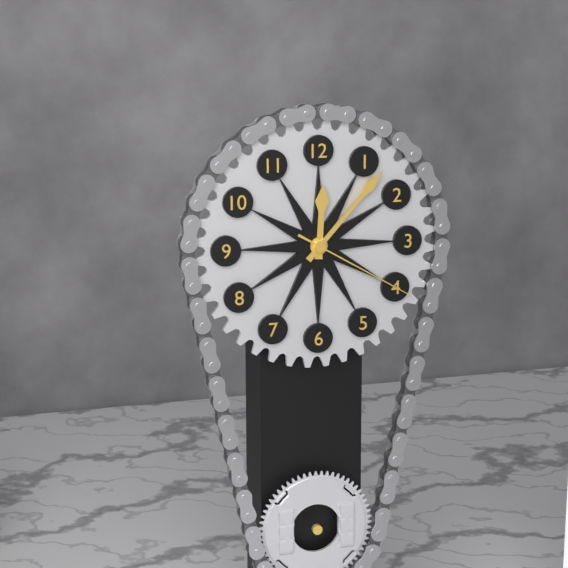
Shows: 12,07,20
